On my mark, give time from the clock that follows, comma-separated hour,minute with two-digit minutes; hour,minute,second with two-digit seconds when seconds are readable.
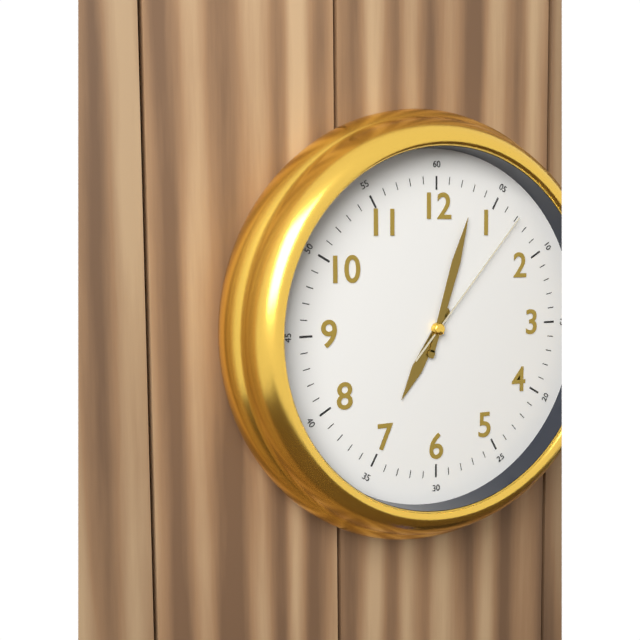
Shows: 7,03,07
